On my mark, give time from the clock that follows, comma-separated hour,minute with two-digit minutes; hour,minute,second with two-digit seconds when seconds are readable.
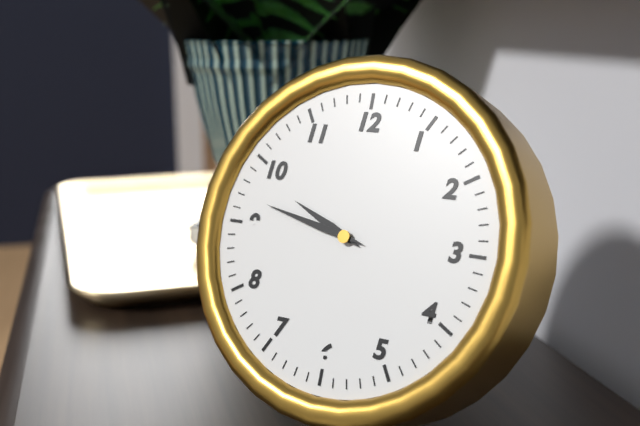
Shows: 9,47
